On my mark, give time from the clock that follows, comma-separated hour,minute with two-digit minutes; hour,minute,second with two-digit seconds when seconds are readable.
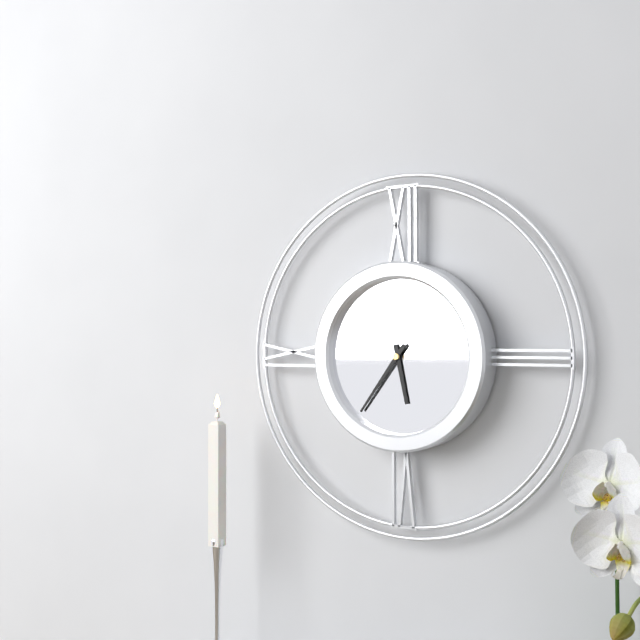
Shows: 5,36
